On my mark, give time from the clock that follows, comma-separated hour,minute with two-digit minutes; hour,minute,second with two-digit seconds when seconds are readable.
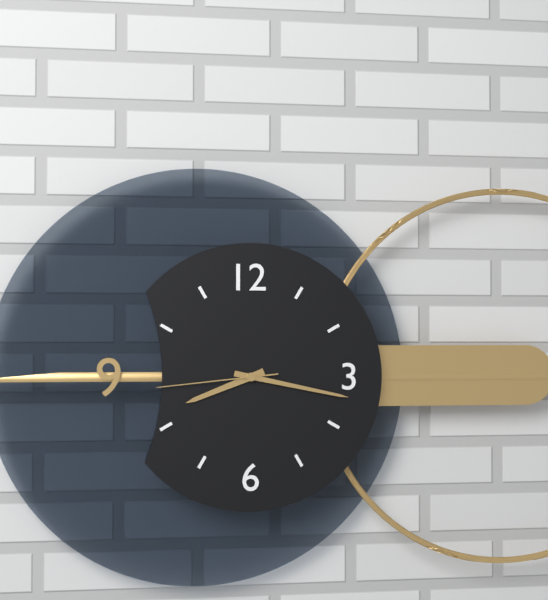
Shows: 8,17,44
